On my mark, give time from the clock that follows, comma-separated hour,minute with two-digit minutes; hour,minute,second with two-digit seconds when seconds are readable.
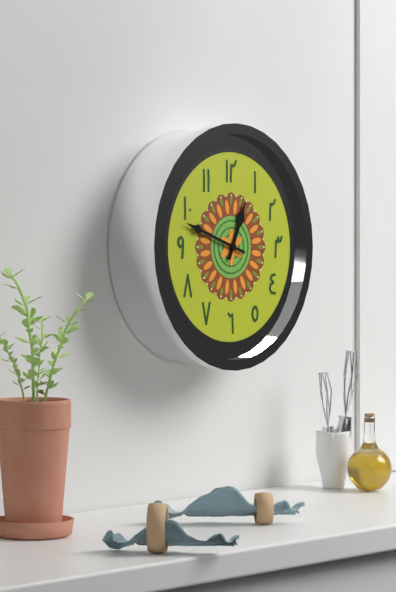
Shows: 12,48
